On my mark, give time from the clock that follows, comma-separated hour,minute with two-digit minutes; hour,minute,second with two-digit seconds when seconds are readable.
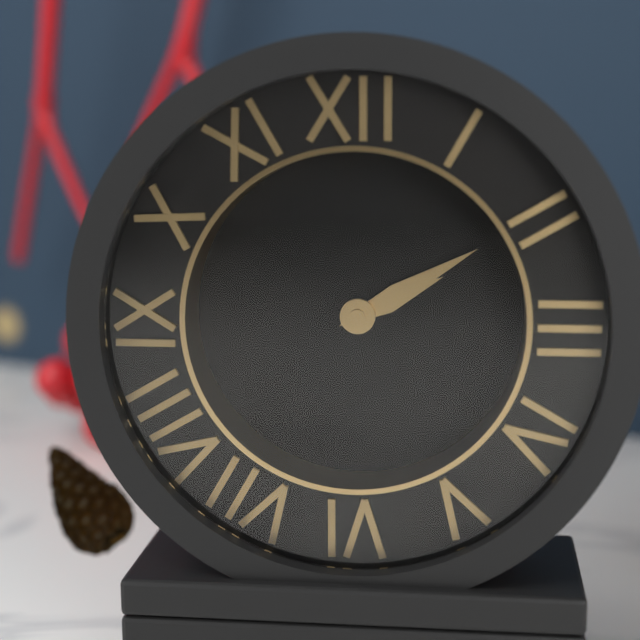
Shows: 2,10
